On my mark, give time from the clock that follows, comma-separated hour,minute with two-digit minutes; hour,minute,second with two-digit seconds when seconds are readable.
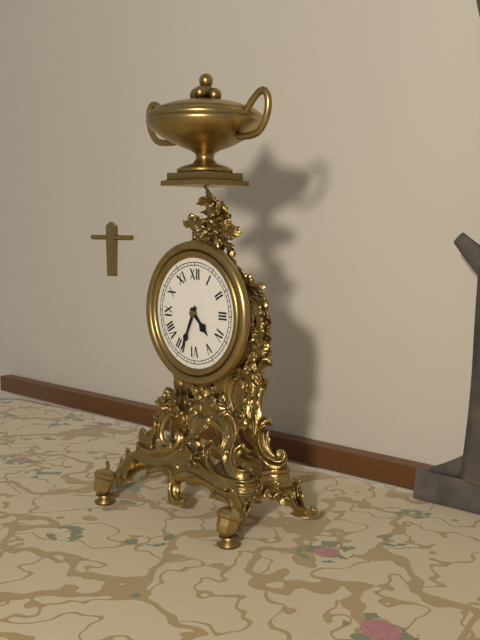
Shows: 4,34
